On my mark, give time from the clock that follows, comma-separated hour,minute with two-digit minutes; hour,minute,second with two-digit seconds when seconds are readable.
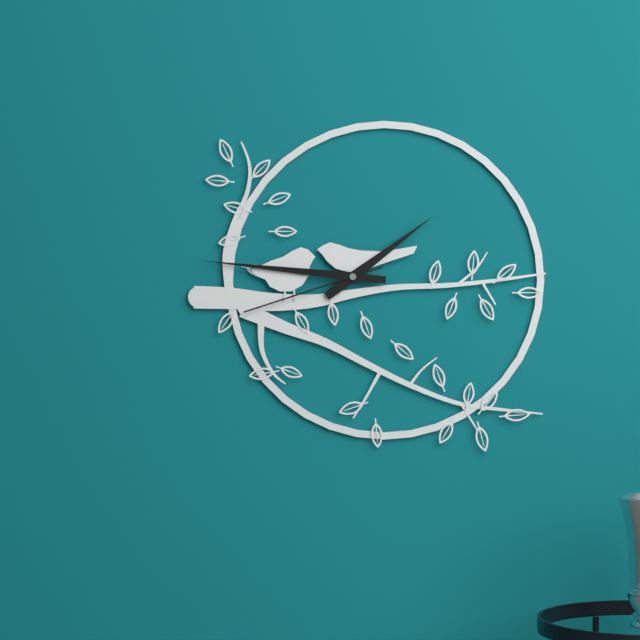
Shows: 1,46,42
